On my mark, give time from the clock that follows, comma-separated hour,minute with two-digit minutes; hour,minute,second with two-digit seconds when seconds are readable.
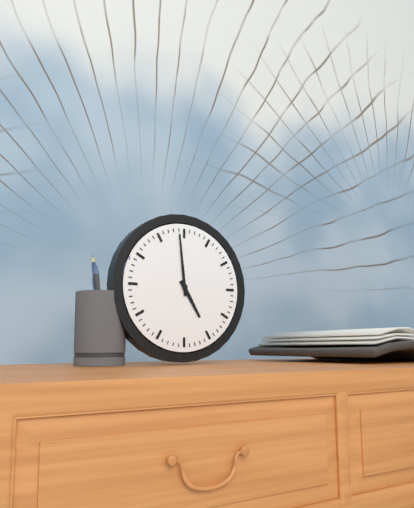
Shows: 4,59
